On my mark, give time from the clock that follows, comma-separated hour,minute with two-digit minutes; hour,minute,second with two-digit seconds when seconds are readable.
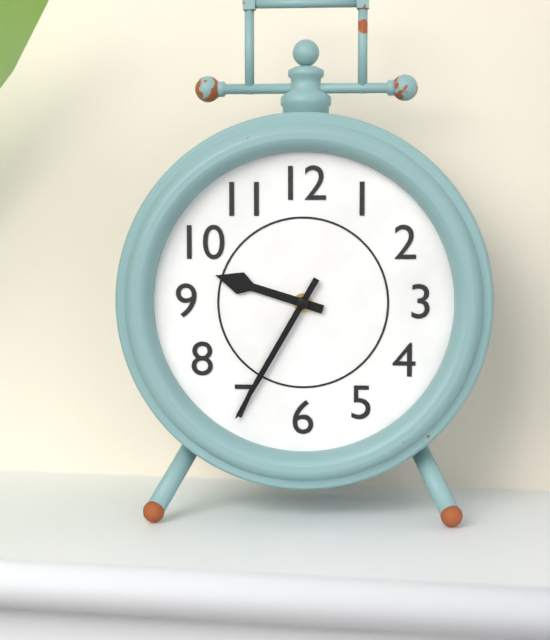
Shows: 9,35
